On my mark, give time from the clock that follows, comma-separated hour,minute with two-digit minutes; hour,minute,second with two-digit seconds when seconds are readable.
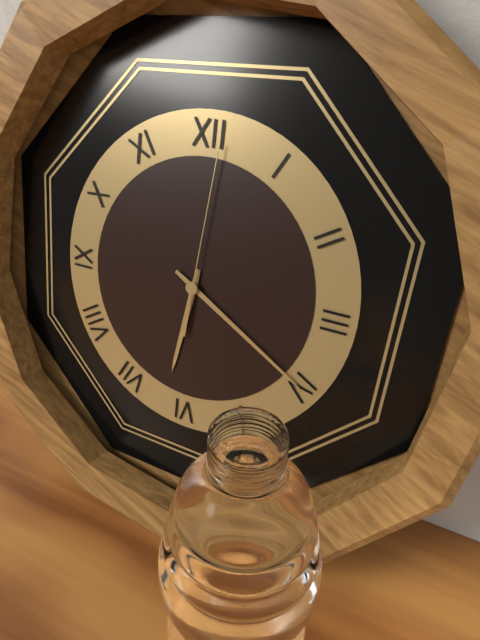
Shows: 6,20,01
